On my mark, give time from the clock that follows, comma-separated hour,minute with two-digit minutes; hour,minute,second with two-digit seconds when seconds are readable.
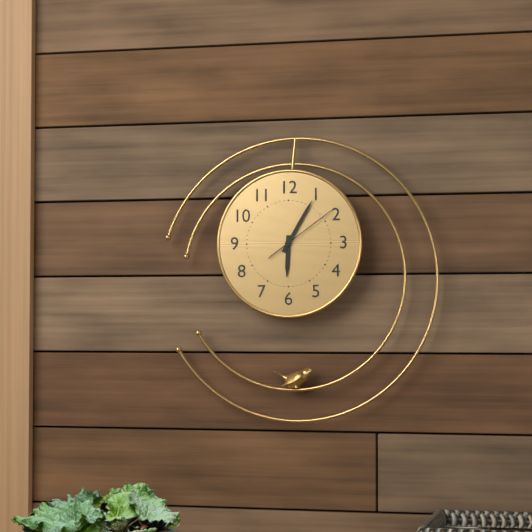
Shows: 6,05,09
